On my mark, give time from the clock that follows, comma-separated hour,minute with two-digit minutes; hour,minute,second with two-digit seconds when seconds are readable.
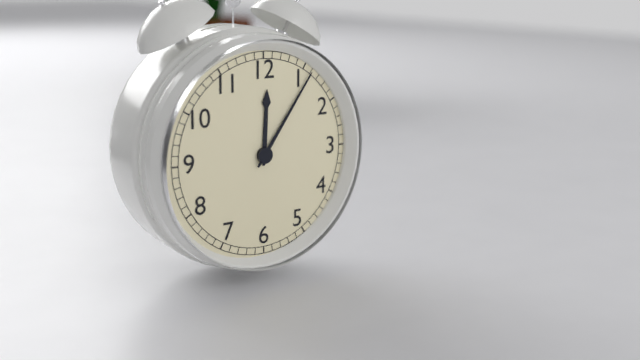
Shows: 12,06
